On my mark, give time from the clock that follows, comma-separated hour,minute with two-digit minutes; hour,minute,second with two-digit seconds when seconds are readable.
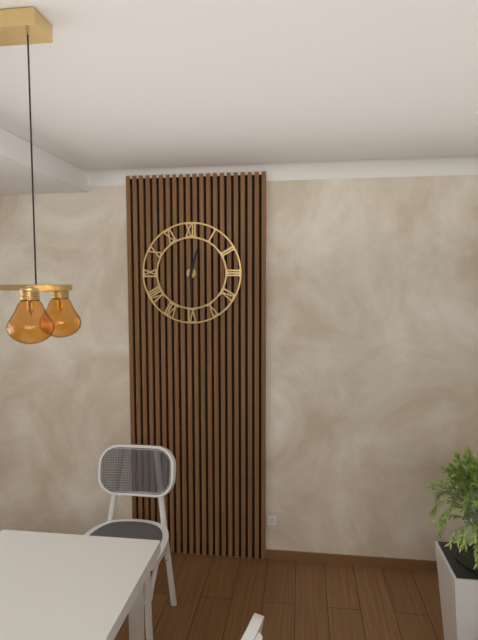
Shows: 12,30
